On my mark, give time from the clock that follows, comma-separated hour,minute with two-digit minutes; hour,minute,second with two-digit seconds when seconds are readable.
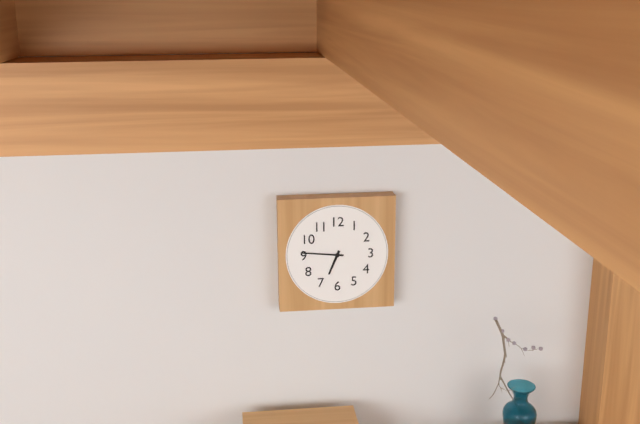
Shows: 6,46
